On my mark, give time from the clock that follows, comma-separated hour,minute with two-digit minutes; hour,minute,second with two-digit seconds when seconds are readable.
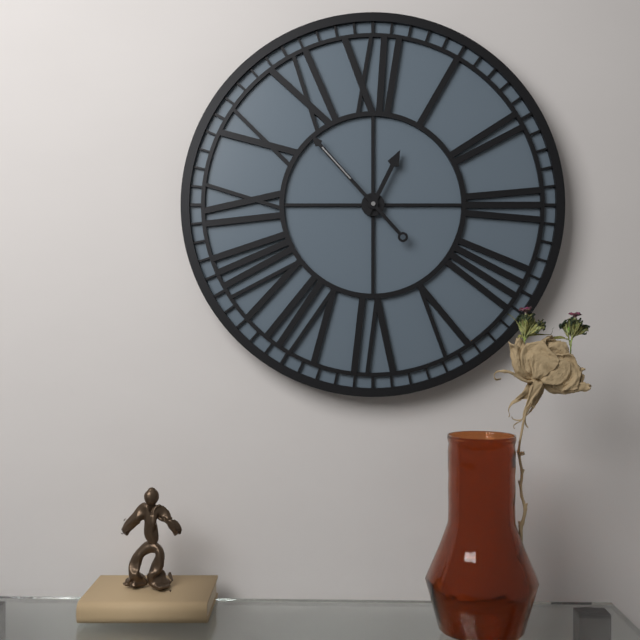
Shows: 12,53
